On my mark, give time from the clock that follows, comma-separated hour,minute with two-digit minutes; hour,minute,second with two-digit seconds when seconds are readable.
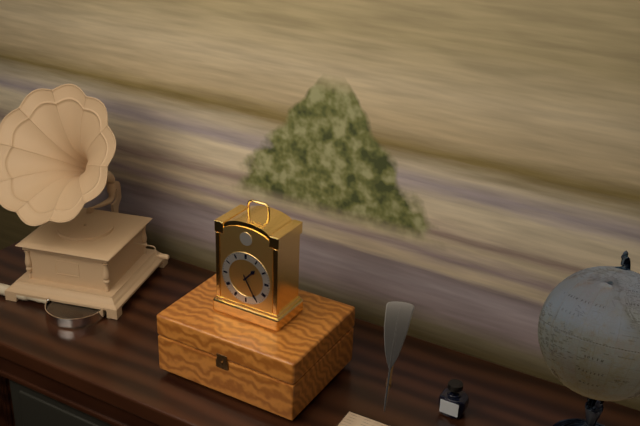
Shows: 1,25
